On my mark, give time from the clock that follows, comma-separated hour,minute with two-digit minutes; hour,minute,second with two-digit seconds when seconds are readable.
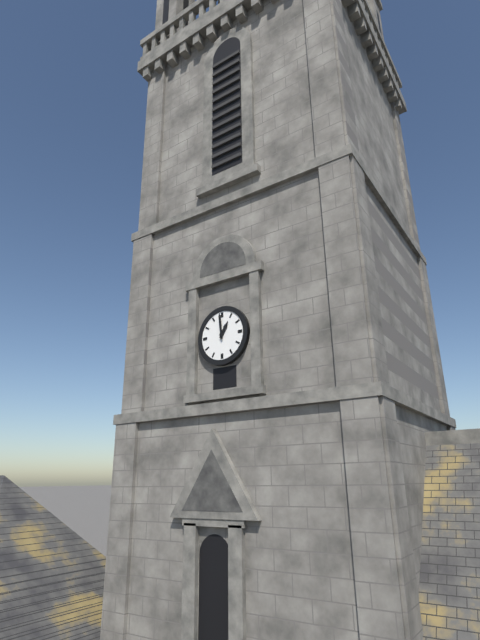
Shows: 12,59
